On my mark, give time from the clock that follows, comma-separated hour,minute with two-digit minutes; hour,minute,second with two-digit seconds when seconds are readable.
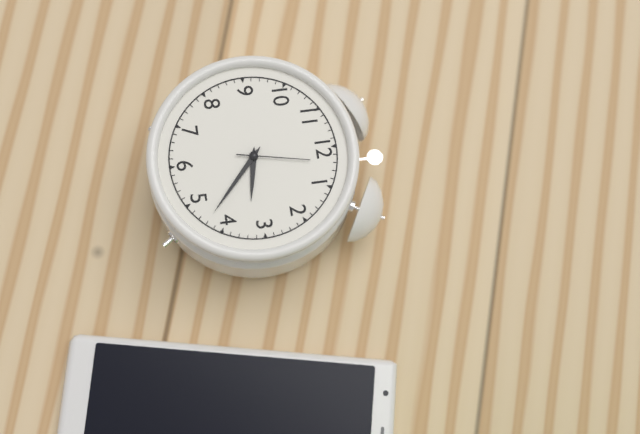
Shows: 3,22,02
